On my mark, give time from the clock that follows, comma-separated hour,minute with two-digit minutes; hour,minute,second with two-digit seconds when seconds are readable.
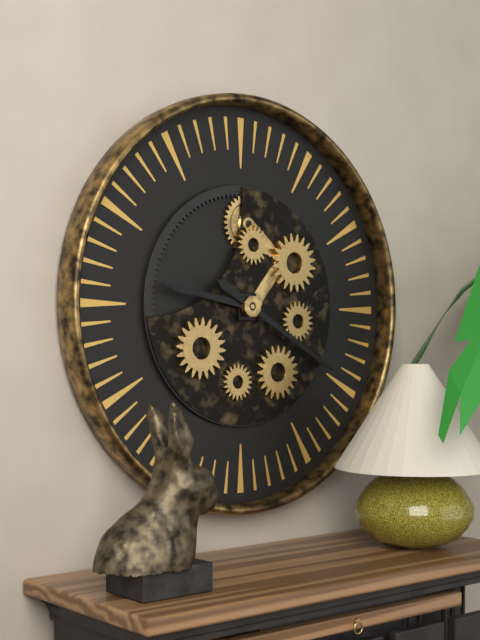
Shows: 9,20
